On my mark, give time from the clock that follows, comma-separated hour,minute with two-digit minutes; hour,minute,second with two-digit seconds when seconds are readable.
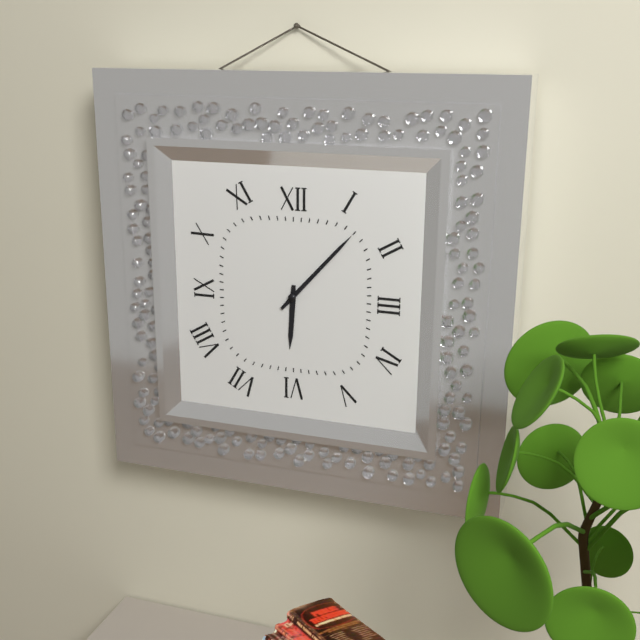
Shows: 6,07
